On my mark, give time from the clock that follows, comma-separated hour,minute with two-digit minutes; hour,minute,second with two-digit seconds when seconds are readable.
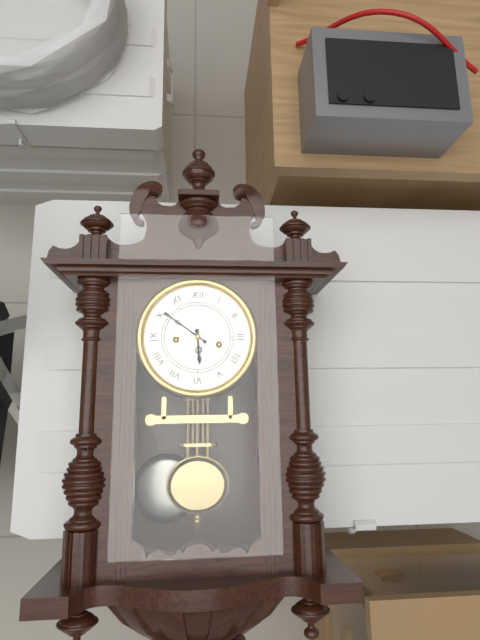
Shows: 5,51
